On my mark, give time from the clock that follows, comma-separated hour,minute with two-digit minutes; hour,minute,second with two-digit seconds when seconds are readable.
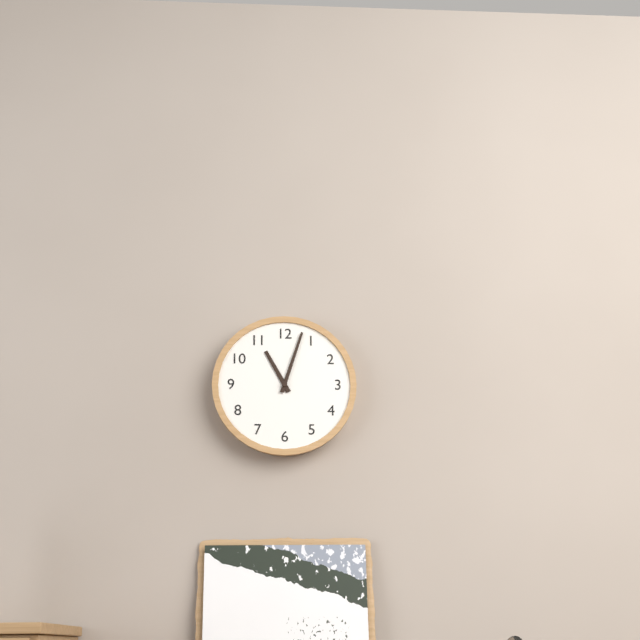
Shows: 11,03
